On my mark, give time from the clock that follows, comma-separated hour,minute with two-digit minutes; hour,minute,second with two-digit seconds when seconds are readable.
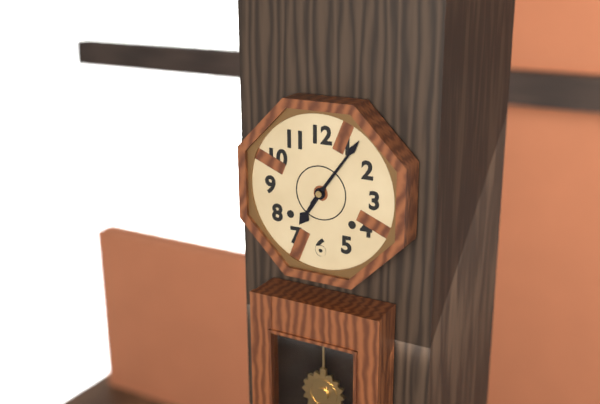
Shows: 7,06
